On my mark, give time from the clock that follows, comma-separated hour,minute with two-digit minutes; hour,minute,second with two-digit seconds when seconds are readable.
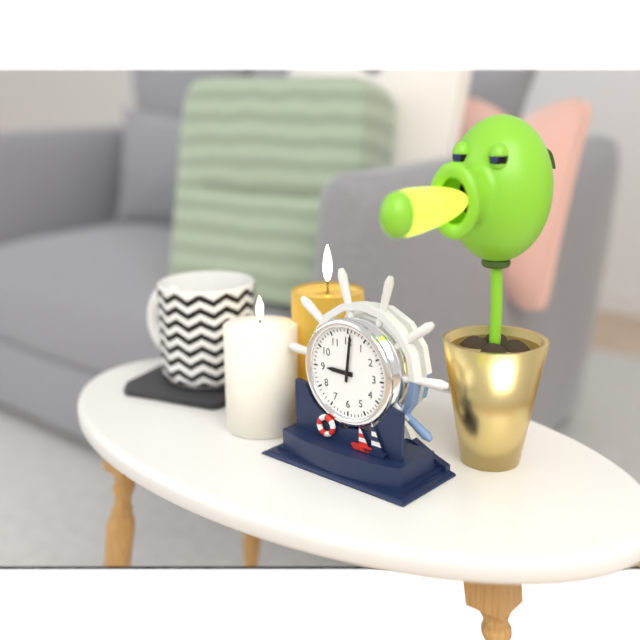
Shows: 9,01
